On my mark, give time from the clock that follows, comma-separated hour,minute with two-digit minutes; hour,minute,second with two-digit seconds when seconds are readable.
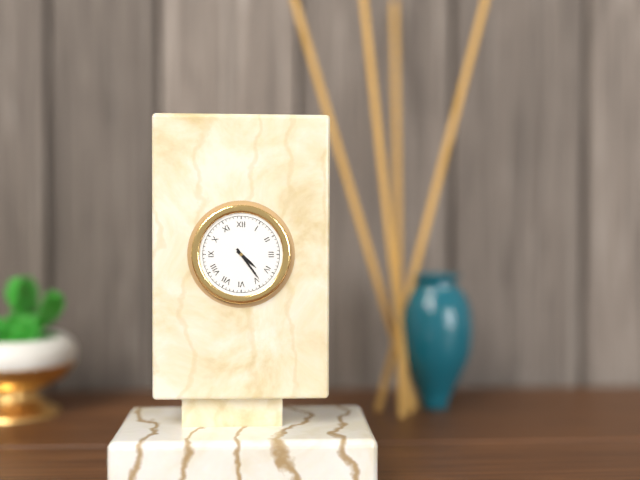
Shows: 4,24
